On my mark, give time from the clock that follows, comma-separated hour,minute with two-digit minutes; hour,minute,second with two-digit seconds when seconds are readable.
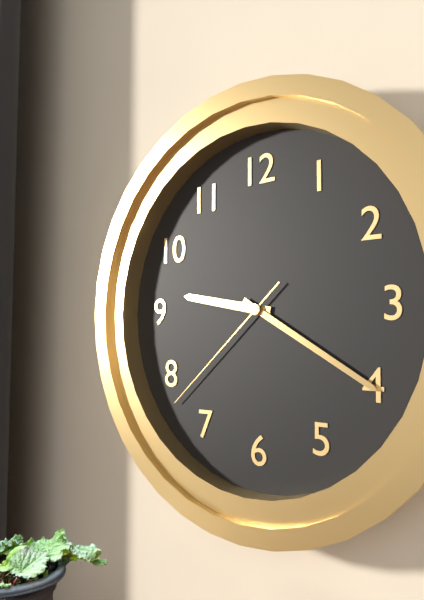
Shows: 9,20,38
